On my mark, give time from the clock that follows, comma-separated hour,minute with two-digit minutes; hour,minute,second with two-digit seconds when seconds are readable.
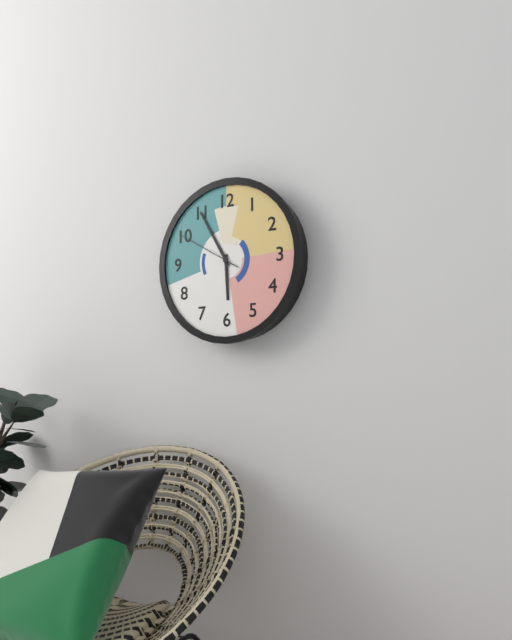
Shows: 5,55,50
